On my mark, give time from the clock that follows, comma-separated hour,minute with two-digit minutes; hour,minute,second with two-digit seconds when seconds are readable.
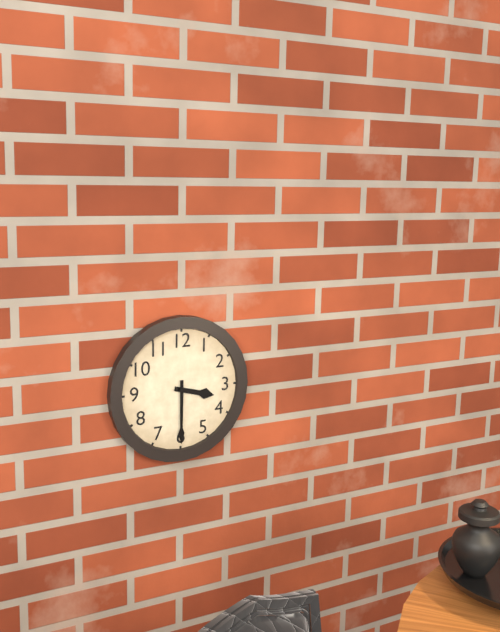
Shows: 3,30
